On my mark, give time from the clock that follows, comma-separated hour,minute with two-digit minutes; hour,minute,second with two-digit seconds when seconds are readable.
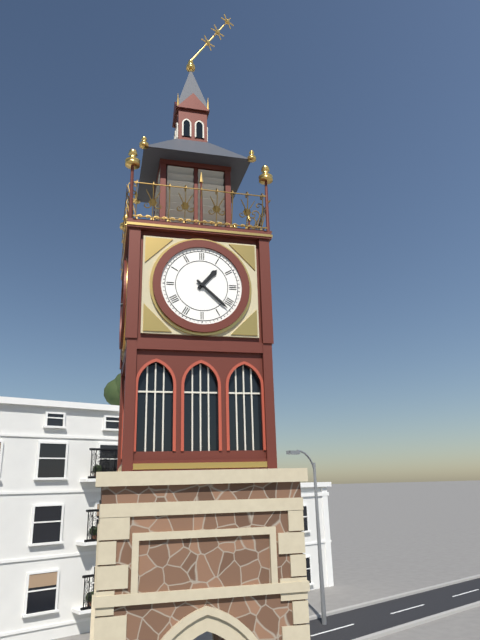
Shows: 1,22
